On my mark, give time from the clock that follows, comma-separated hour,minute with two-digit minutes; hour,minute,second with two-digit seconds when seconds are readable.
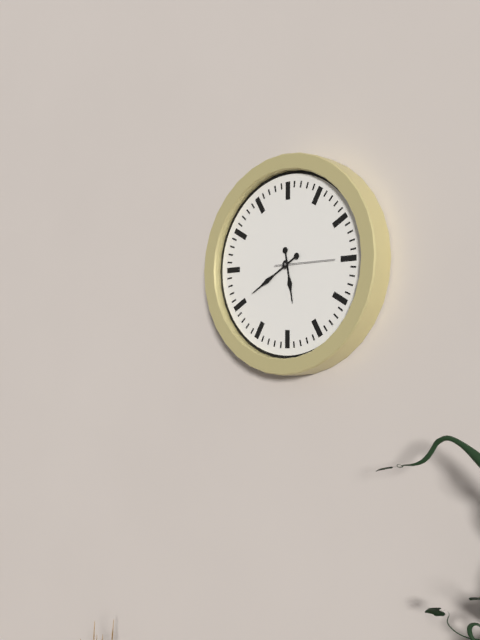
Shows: 5,40,15
